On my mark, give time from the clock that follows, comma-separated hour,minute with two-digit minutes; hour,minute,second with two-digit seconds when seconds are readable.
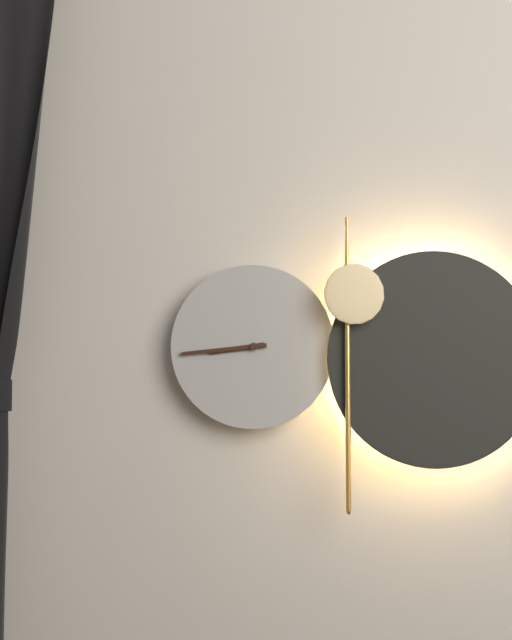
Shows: 8,44
